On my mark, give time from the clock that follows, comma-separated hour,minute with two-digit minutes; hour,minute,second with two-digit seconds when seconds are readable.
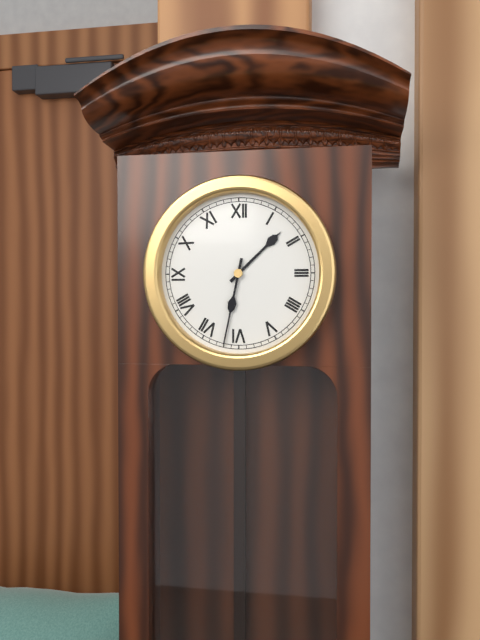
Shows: 1,32
